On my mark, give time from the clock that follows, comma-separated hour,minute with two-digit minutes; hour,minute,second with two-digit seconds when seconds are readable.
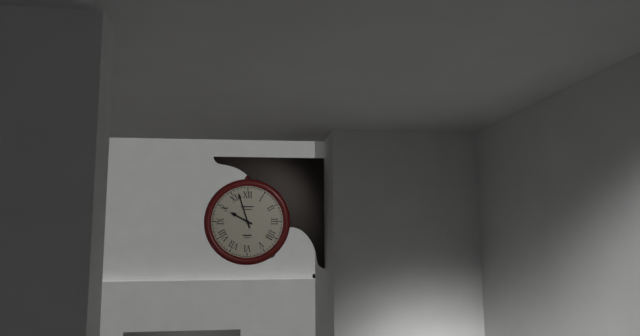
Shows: 9,57
